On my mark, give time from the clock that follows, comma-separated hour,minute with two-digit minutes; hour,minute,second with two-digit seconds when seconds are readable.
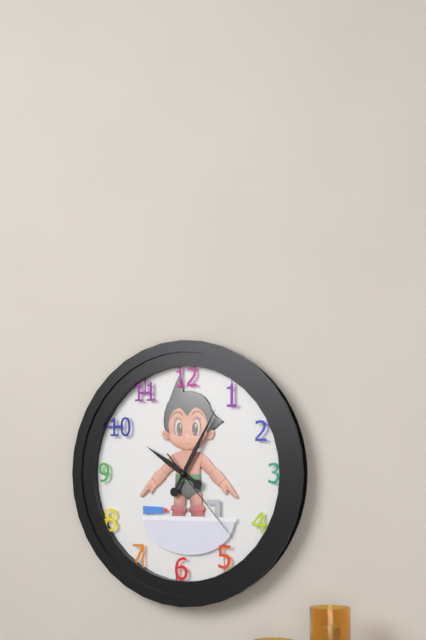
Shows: 10,05,23
